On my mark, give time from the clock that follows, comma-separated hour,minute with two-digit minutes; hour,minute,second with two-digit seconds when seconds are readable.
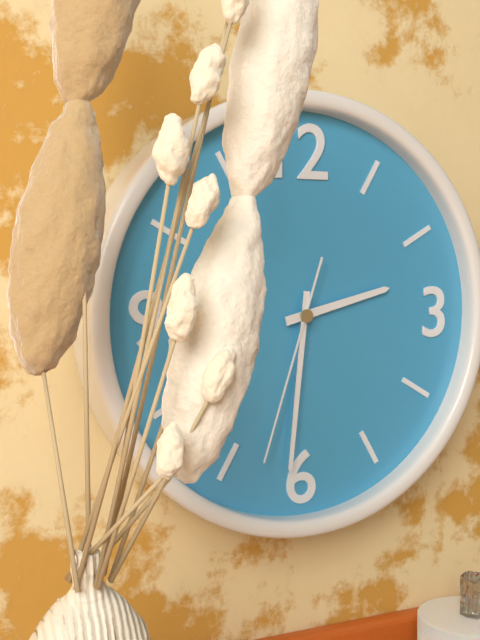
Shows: 2,31,33
